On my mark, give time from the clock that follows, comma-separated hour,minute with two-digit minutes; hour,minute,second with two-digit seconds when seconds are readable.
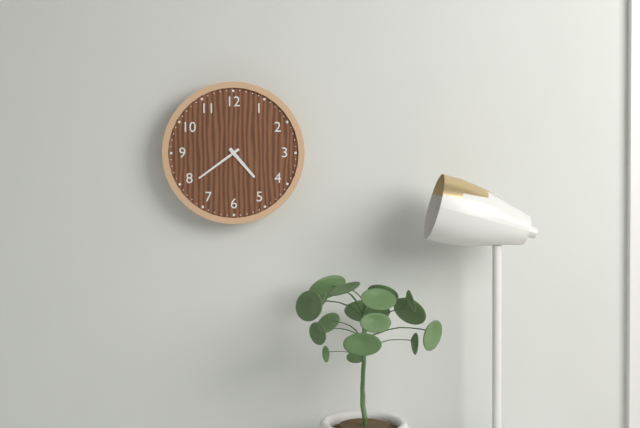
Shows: 4,39
